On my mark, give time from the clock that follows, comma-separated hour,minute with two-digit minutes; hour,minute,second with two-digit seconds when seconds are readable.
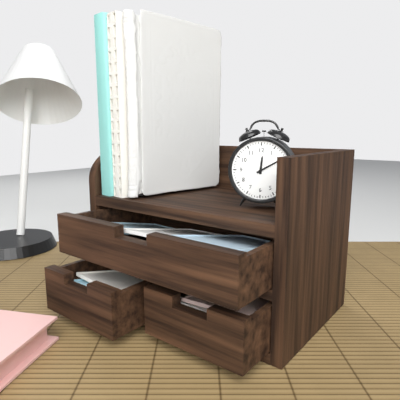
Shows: 12,10
